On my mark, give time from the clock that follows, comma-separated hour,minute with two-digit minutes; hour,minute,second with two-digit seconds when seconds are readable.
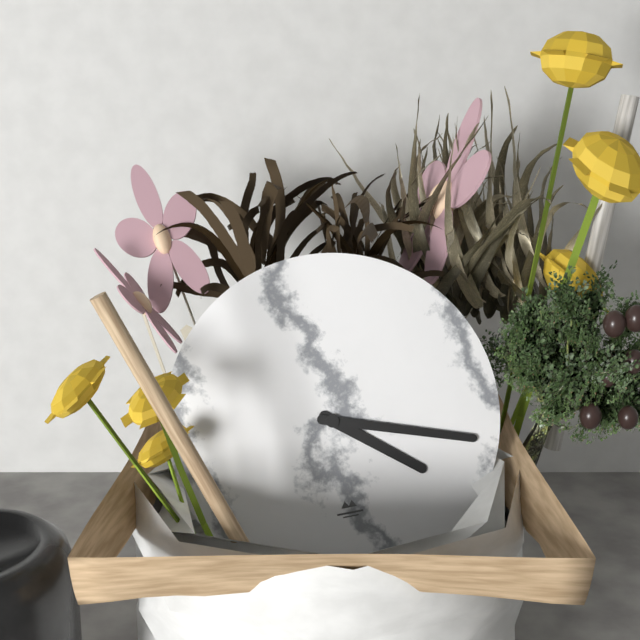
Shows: 4,18
